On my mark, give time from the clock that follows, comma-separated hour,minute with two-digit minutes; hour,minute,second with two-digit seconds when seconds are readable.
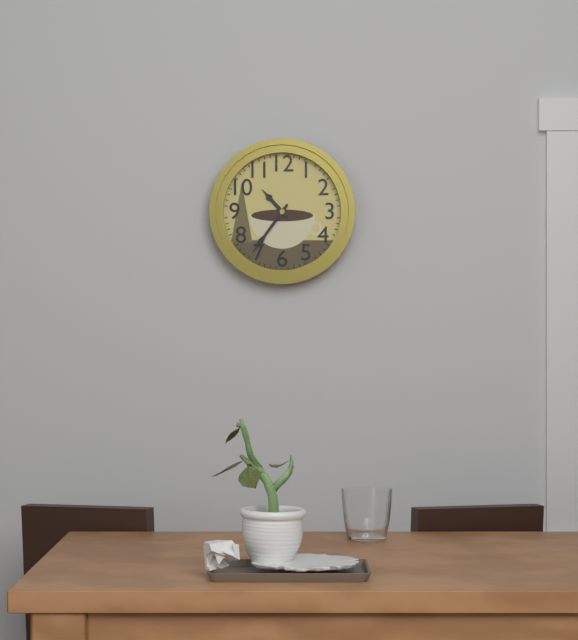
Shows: 10,36
